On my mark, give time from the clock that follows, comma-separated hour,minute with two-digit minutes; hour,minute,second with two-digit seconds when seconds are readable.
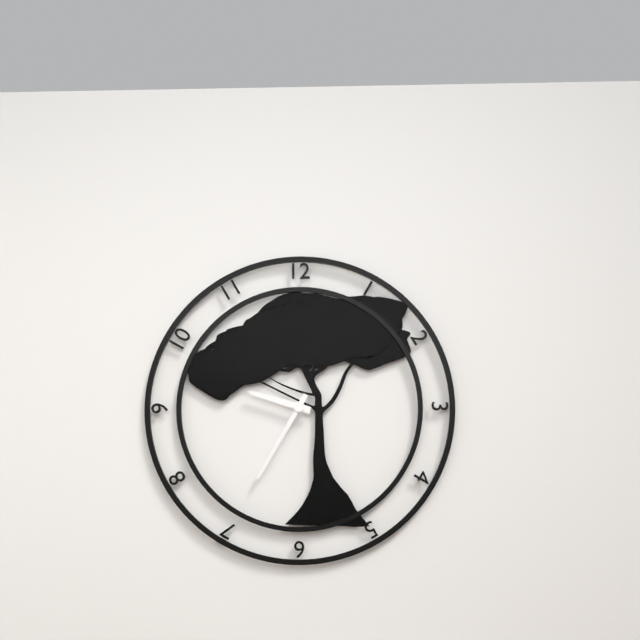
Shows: 9,35
